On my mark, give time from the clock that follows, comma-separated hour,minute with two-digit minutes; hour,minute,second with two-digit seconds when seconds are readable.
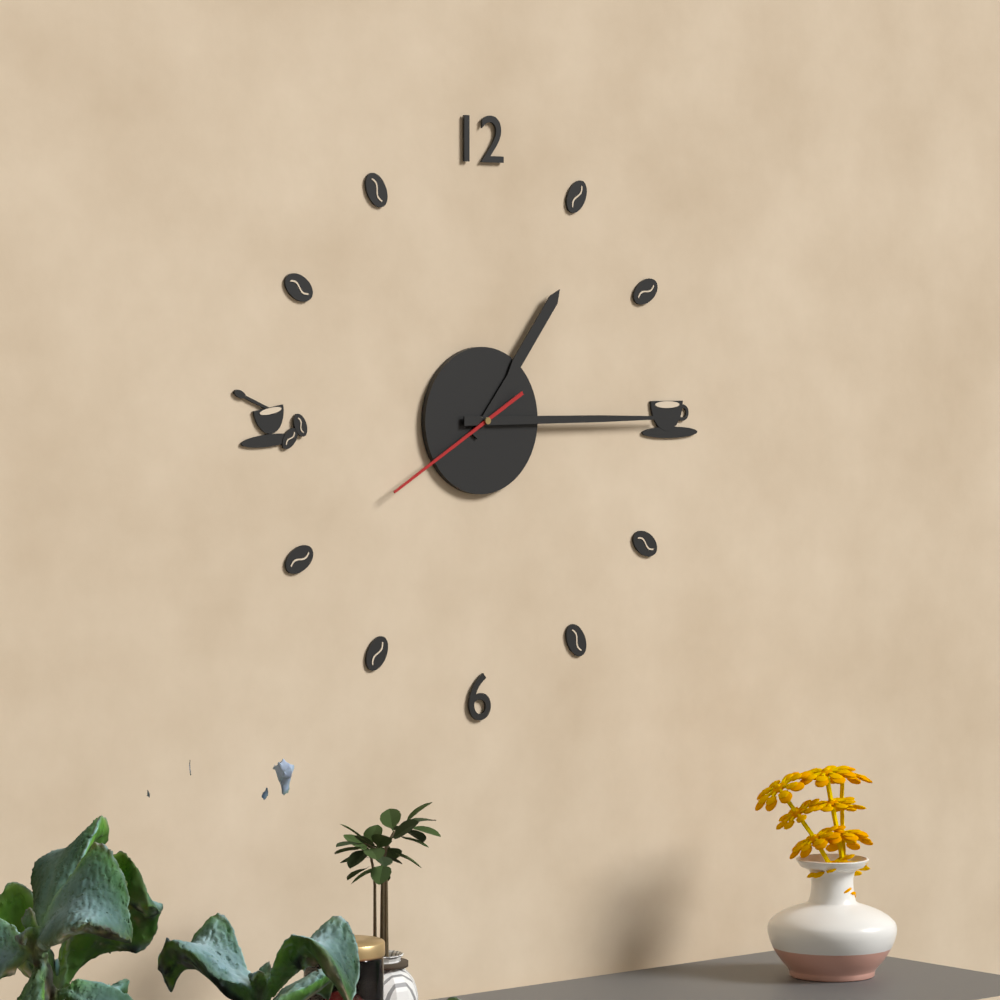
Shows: 1,15,40
